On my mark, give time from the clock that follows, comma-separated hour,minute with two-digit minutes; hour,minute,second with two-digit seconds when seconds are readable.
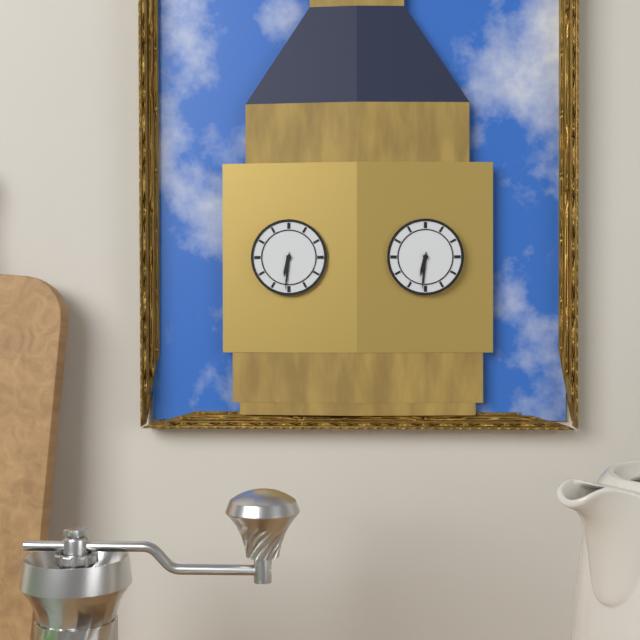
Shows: 6,31
